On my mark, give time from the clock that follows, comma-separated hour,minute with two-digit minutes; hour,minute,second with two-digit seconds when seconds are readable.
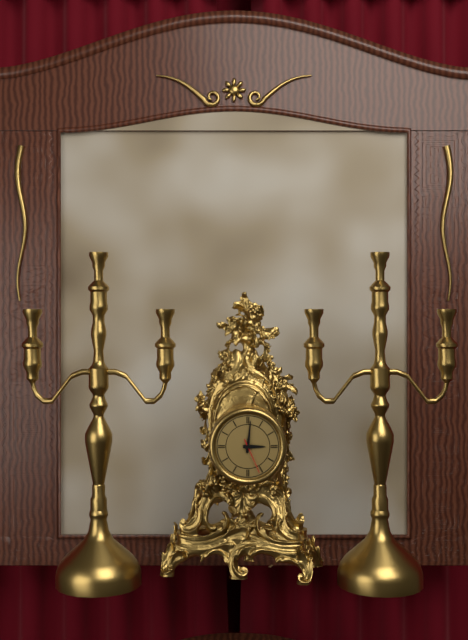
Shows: 3,01
